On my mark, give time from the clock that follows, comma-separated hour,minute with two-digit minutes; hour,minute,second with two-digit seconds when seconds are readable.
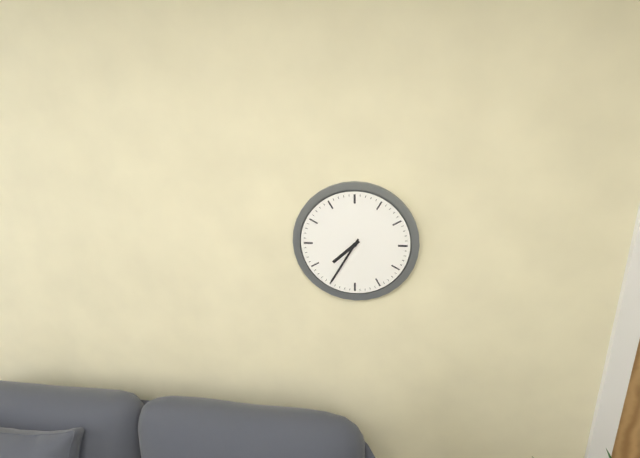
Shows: 7,35
